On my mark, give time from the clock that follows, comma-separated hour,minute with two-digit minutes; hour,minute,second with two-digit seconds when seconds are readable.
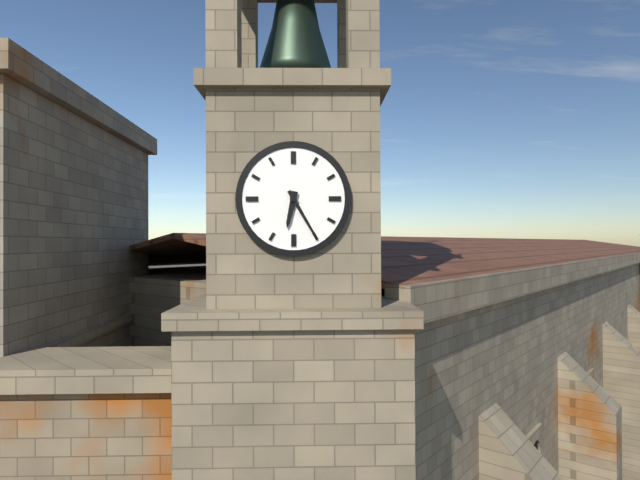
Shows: 6,25
